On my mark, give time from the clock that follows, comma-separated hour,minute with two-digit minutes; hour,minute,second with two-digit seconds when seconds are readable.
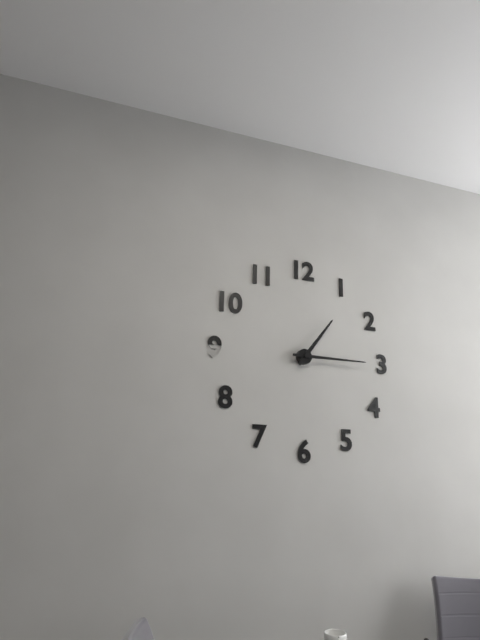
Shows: 1,15
